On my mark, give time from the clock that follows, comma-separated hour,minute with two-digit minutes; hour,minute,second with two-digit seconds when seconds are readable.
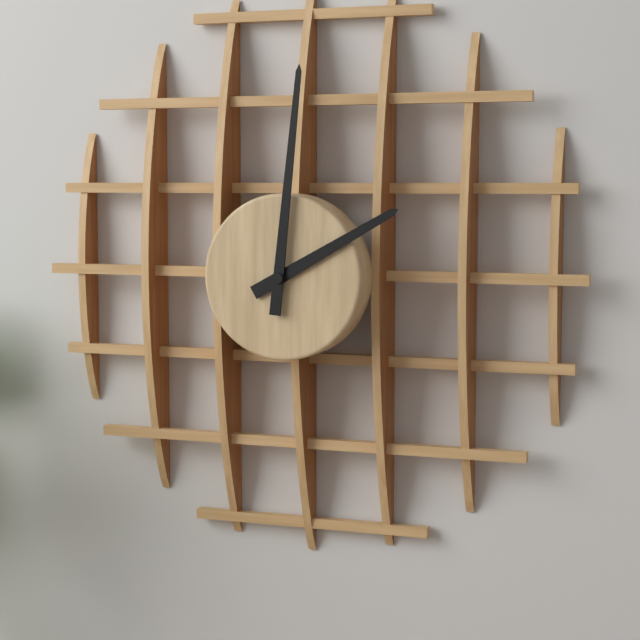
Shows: 2,01
